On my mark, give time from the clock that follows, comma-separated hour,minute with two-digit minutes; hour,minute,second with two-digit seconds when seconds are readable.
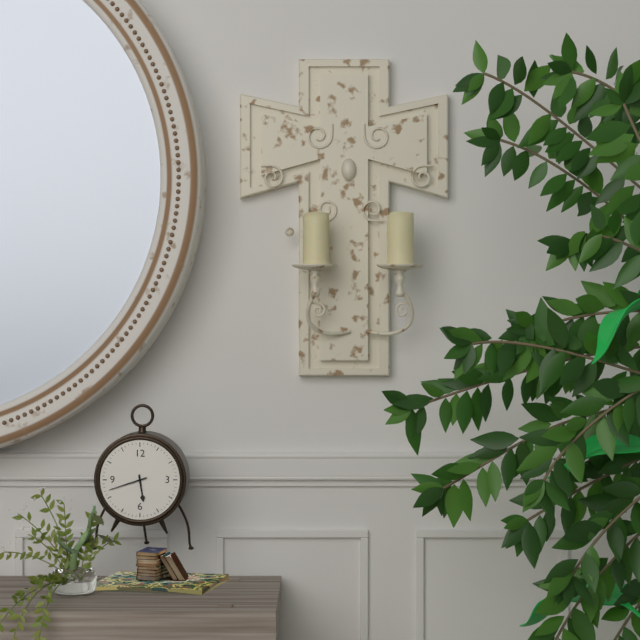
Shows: 5,42
